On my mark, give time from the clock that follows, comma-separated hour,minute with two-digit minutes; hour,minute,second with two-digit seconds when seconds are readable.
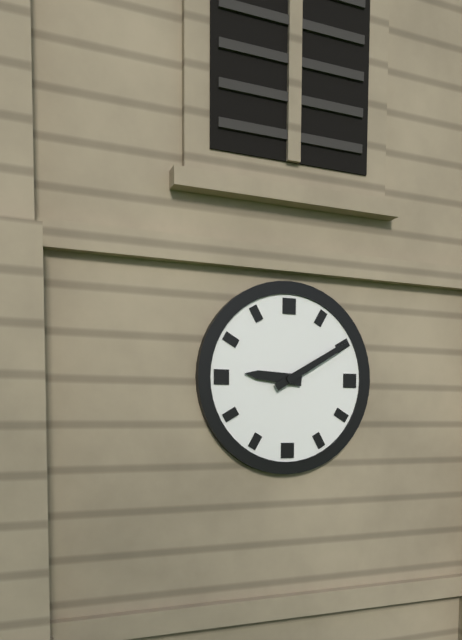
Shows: 9,10
